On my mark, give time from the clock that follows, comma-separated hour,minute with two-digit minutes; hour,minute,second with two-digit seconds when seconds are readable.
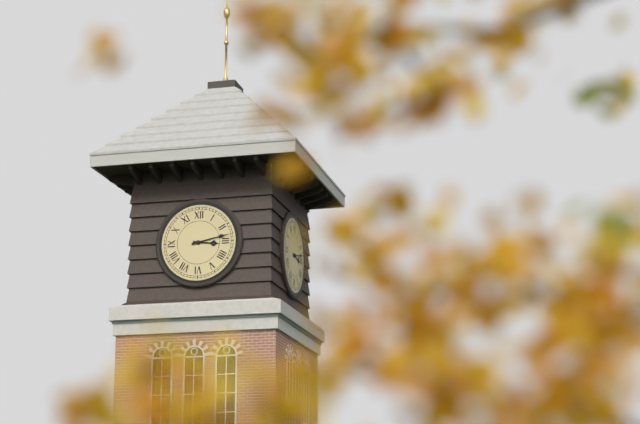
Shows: 3,13
